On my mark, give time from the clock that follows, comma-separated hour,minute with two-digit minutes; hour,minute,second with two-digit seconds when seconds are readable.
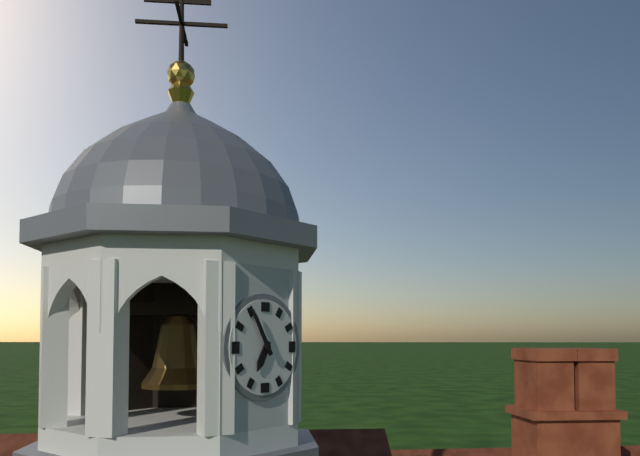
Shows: 6,55
